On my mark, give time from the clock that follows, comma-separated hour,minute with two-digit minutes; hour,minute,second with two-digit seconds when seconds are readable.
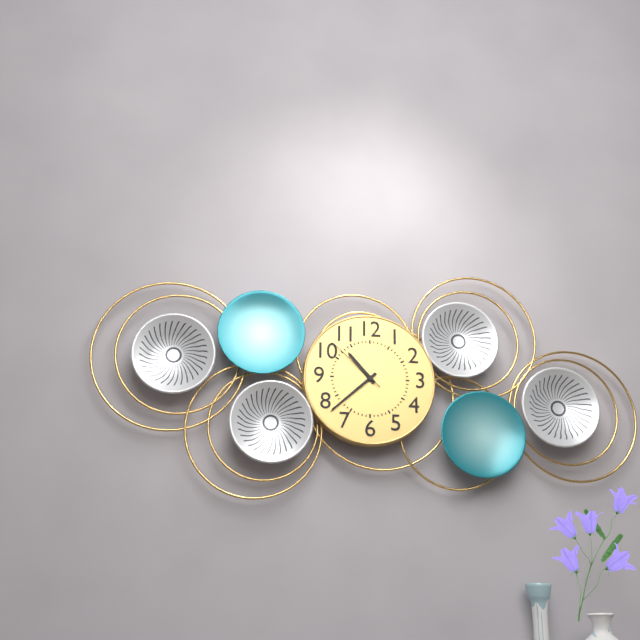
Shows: 10,38,52
